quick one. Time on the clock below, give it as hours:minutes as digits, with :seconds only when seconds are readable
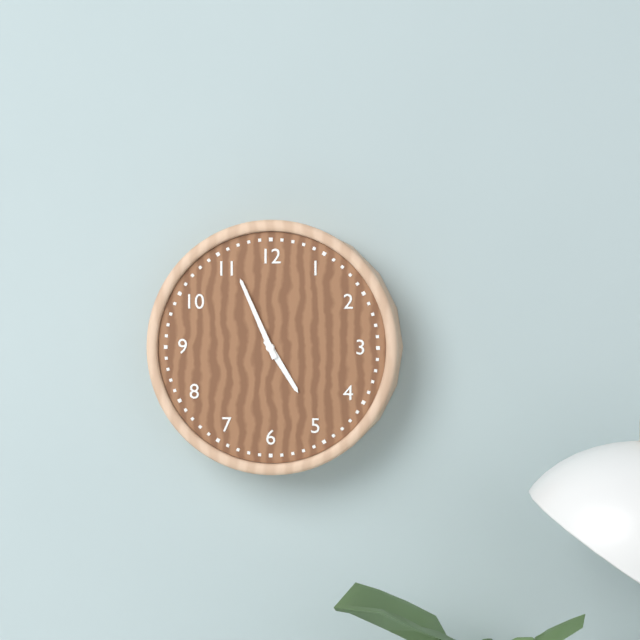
4:56
